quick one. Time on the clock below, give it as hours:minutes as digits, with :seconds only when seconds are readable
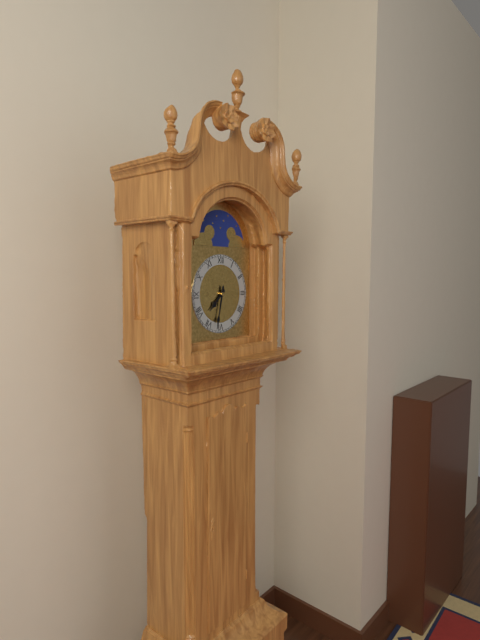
7:32
